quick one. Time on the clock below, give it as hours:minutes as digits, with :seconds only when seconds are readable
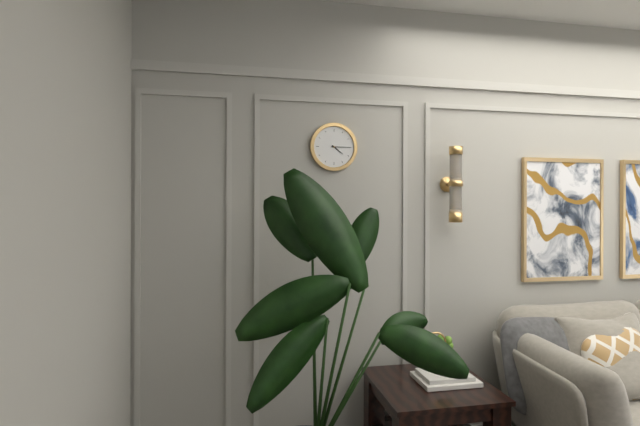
4:15
